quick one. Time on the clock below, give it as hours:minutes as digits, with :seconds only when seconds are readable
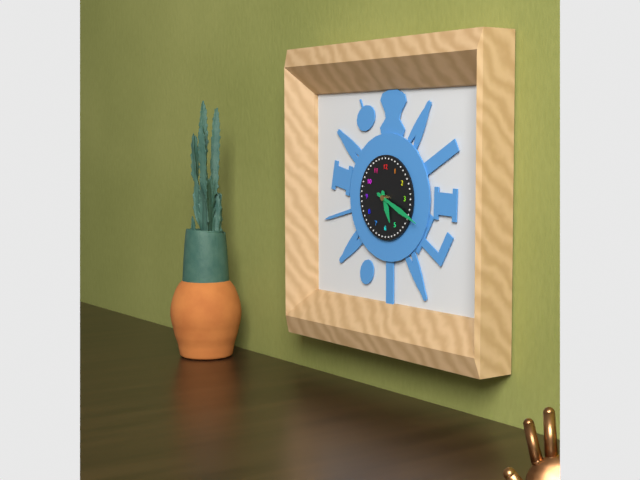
5:19
